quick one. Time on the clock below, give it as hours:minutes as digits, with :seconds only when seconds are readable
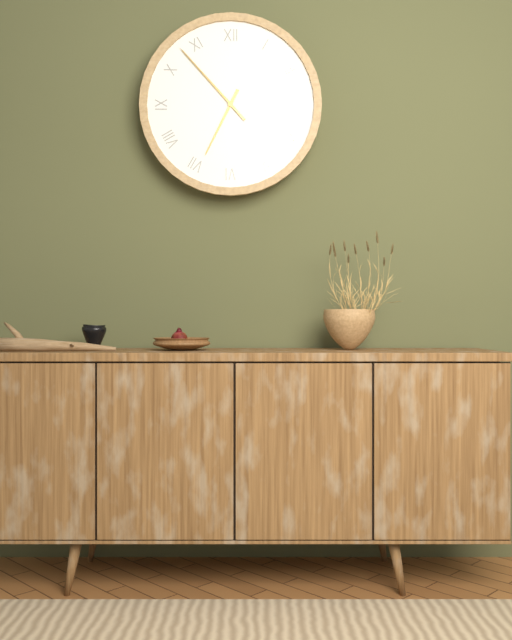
6:53
